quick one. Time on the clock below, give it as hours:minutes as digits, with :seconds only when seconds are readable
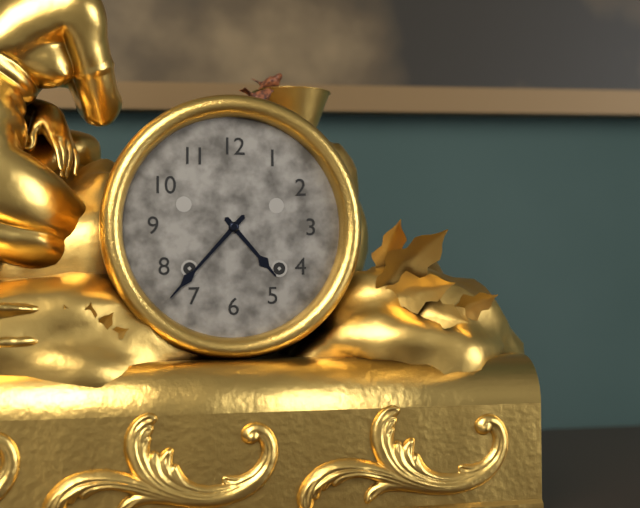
4:37
